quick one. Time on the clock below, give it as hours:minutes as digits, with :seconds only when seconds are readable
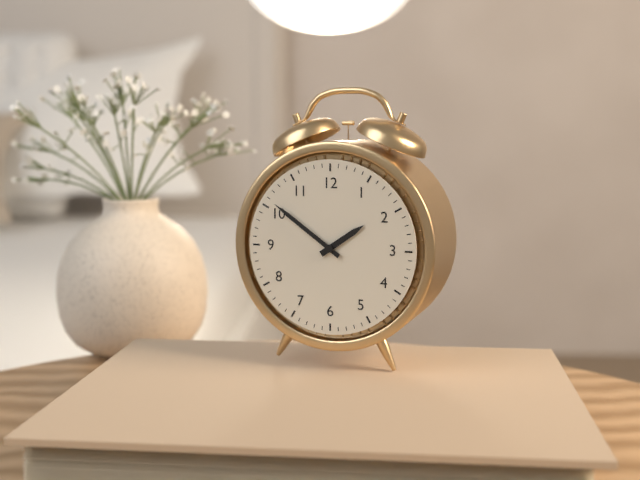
1:51
